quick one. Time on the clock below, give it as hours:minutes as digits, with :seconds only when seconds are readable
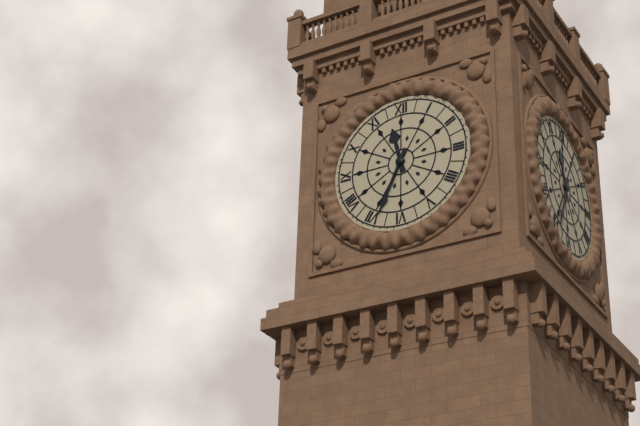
11:34
